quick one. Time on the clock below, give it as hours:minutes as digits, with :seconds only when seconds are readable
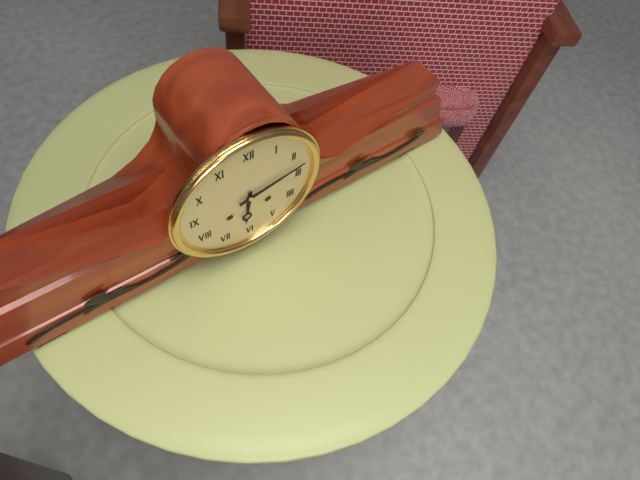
6:13
